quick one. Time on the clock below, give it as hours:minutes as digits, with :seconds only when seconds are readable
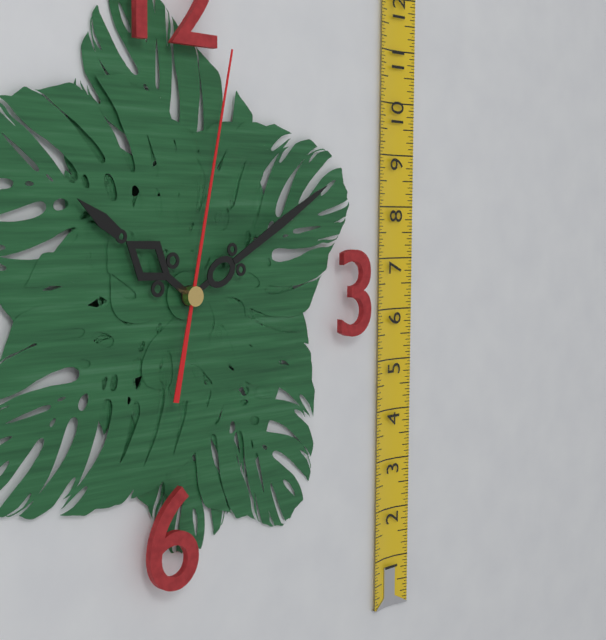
10:10:02
